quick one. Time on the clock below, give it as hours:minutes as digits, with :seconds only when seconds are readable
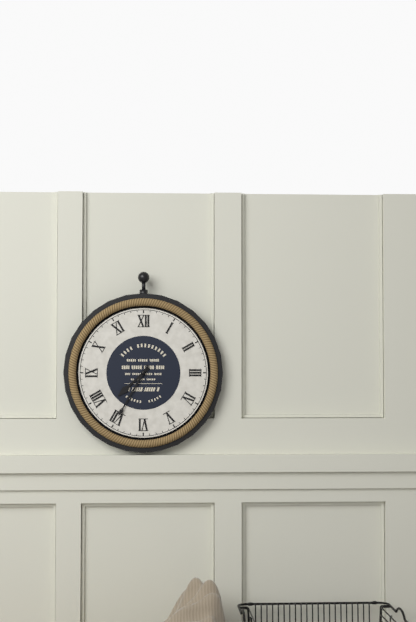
7:35
